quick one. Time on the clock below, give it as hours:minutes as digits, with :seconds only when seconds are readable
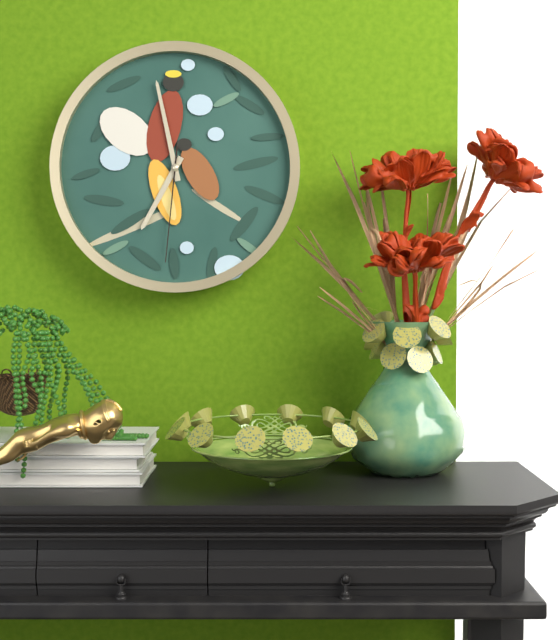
6:58:31
